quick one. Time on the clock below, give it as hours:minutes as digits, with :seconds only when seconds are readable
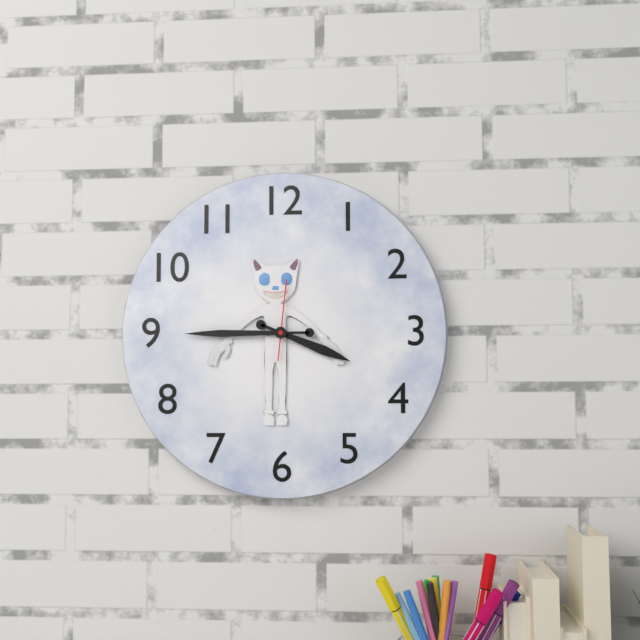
3:45:01
